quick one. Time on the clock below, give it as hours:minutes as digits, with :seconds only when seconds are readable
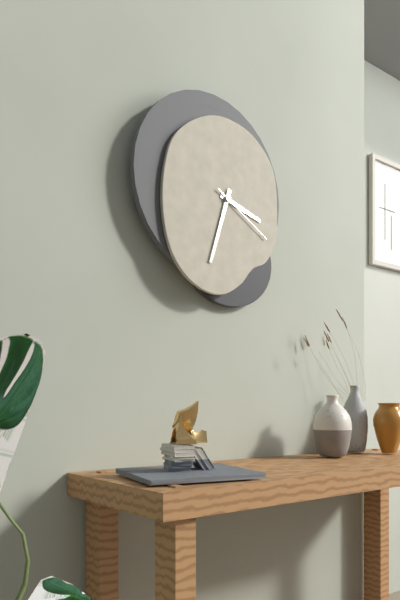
3:33:20
